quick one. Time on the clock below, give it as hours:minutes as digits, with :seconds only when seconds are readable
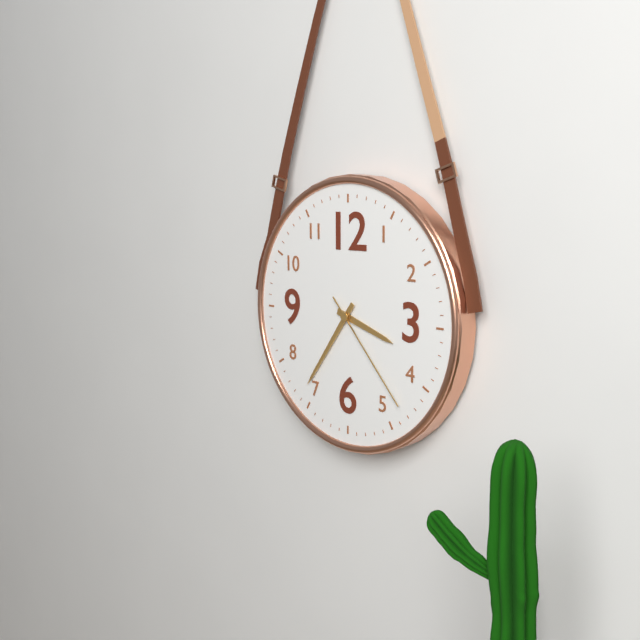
3:36:23
